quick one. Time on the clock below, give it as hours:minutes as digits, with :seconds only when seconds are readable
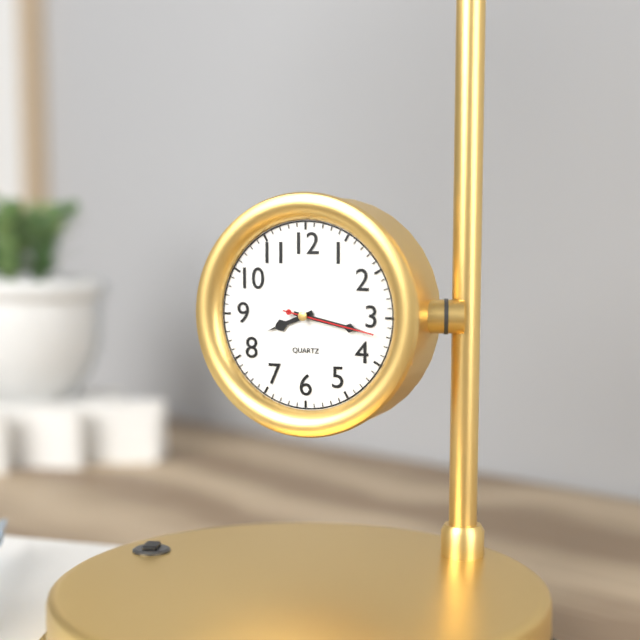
8:17:17
